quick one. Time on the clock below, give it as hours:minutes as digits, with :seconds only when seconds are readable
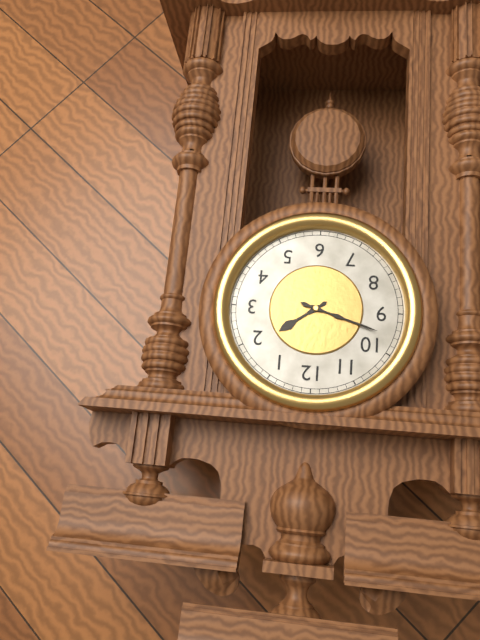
1:48
